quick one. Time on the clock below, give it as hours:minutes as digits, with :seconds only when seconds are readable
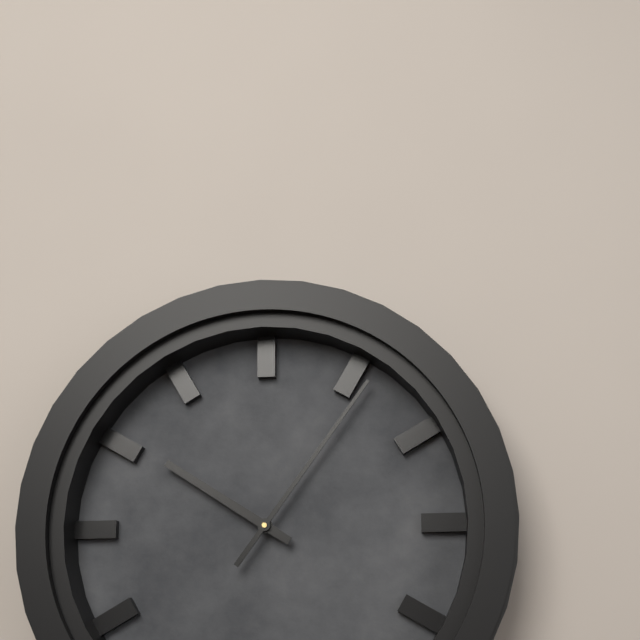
10:06
